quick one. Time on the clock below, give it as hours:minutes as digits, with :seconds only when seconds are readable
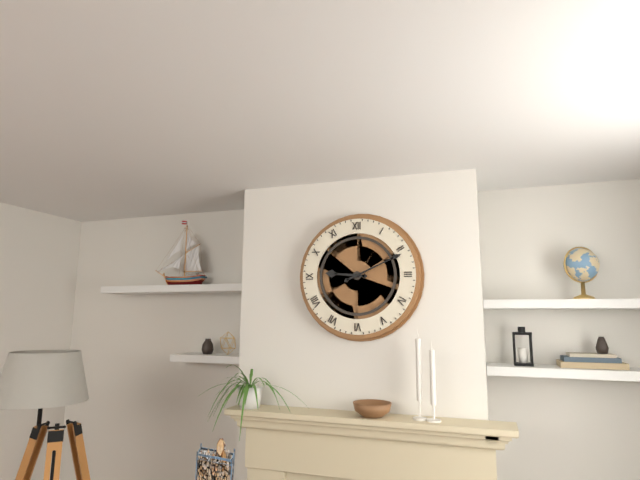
9:11
